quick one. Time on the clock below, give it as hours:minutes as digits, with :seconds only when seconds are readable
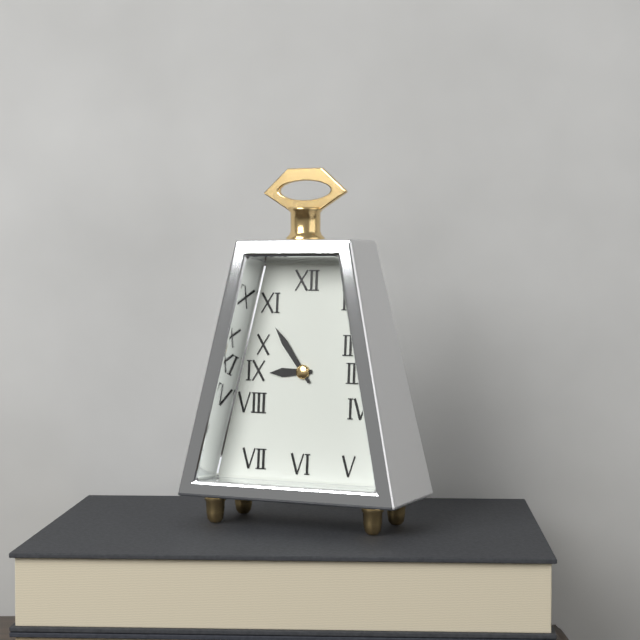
8:54
